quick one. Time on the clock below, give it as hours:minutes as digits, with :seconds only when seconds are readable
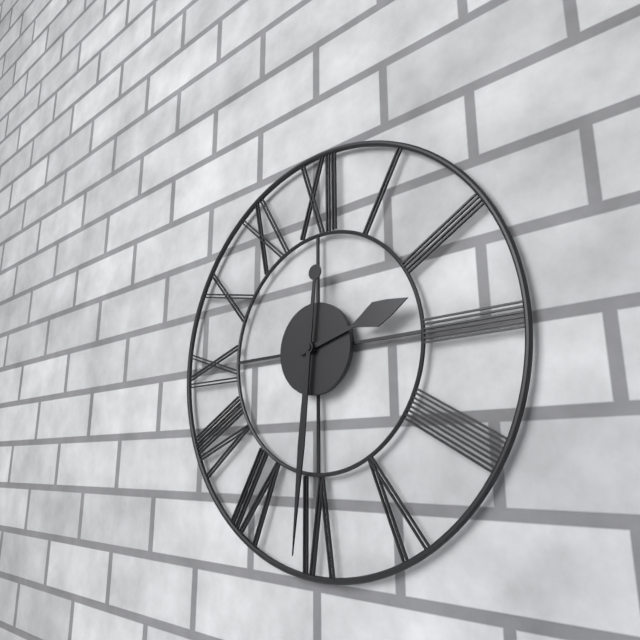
2:31
